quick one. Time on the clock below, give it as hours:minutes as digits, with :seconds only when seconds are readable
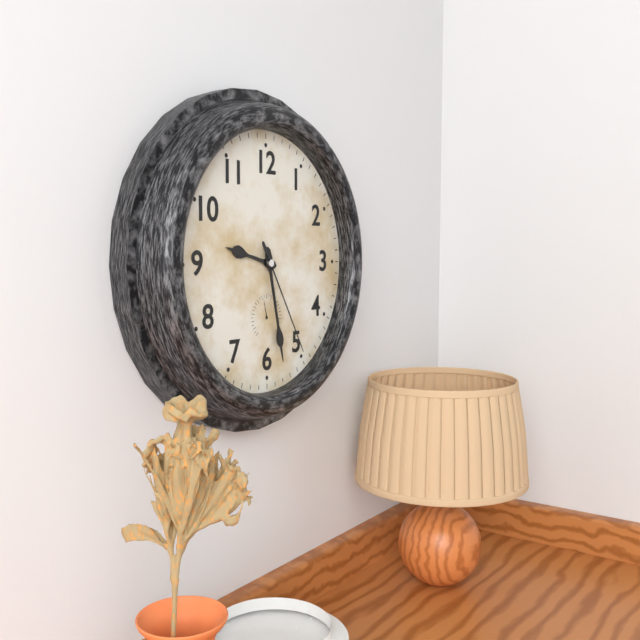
9:28:25
